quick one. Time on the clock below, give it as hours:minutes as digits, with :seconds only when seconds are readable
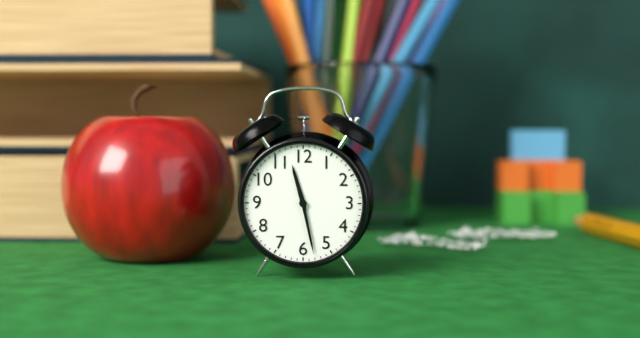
11:28
